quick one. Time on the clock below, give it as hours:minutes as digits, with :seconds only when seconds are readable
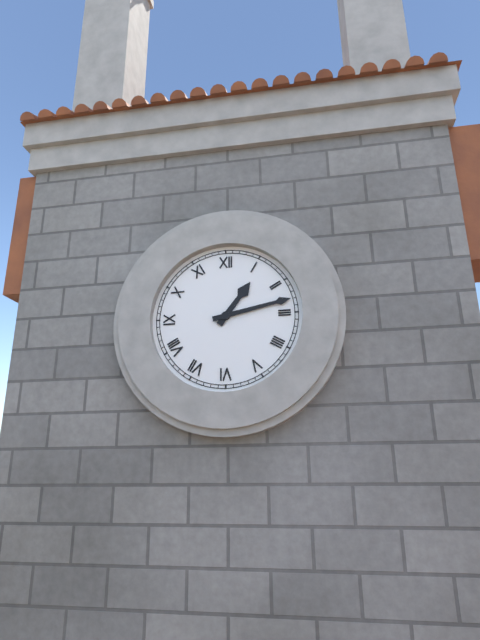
1:13
